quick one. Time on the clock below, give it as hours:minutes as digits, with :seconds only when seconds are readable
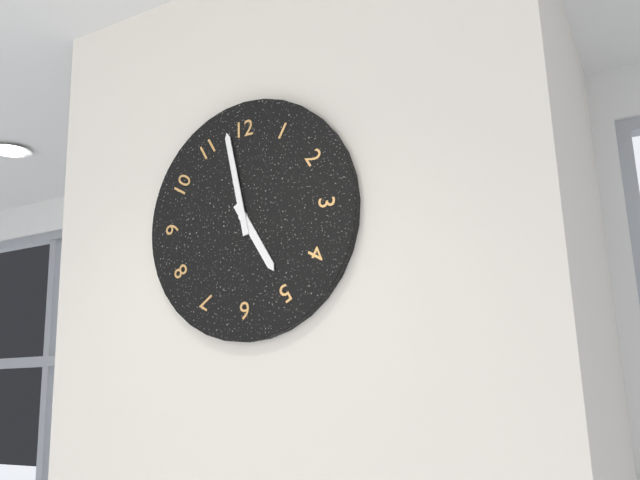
4:58
